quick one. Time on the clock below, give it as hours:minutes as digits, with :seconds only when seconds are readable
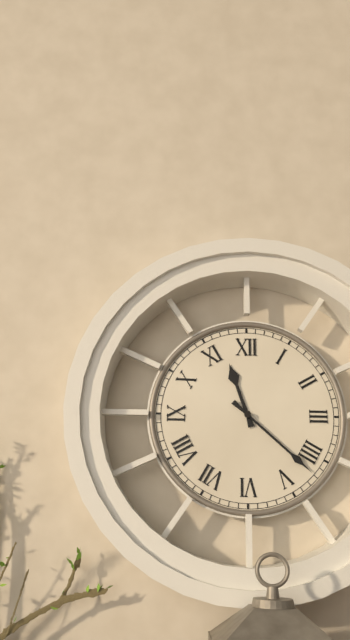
11:22
